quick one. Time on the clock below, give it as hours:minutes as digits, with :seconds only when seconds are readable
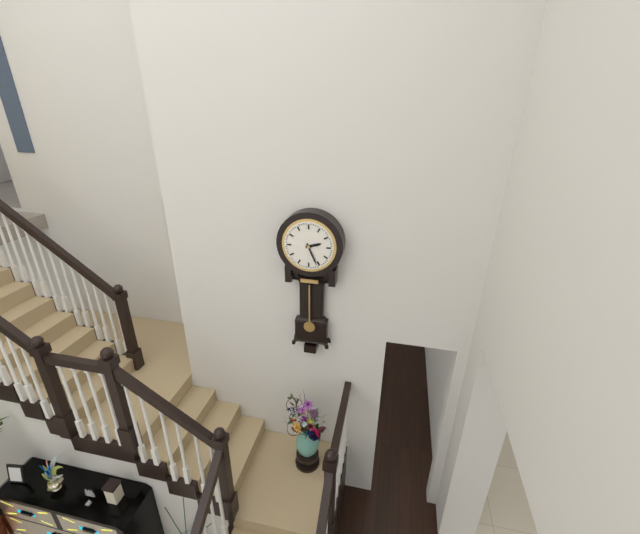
2:26
